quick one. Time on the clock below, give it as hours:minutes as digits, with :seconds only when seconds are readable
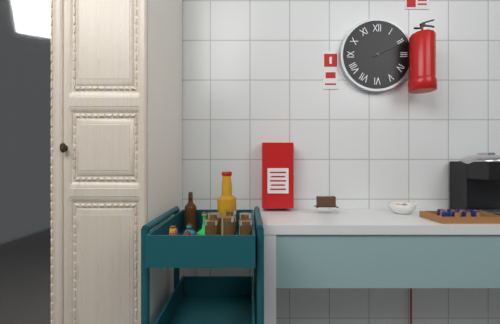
2:11
